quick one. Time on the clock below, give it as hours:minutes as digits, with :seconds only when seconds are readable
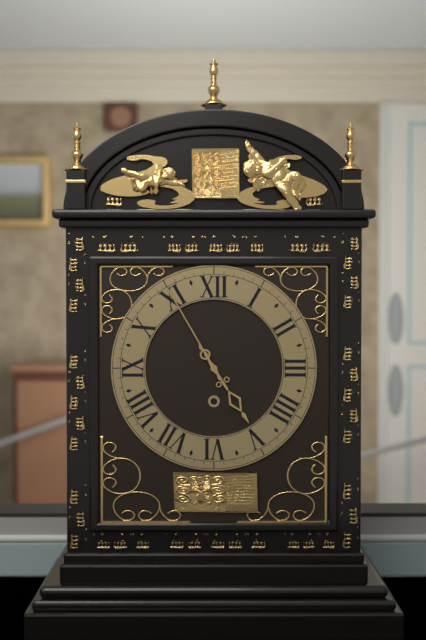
4:55
